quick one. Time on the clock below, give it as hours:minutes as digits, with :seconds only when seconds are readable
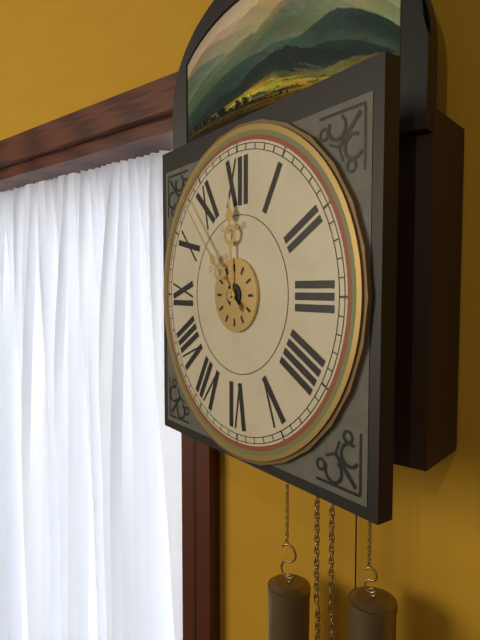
11:53
